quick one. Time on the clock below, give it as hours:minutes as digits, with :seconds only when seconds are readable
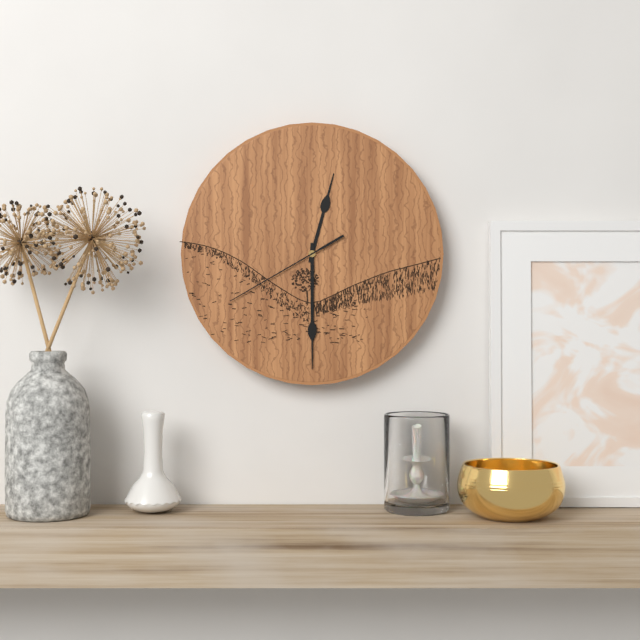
12:30:40
